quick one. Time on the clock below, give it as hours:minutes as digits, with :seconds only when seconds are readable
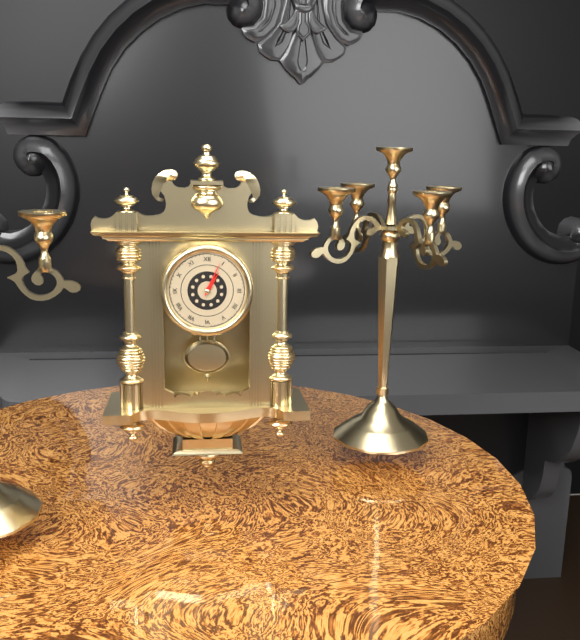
1:04
